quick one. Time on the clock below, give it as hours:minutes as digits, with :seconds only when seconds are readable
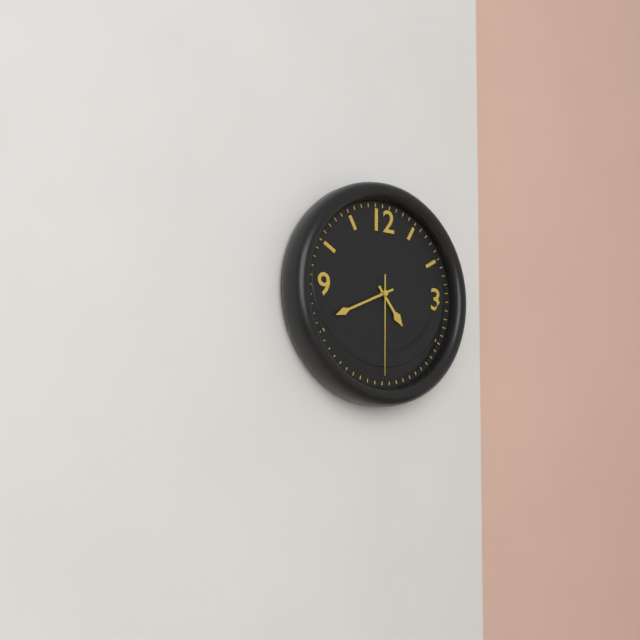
4:41:30
